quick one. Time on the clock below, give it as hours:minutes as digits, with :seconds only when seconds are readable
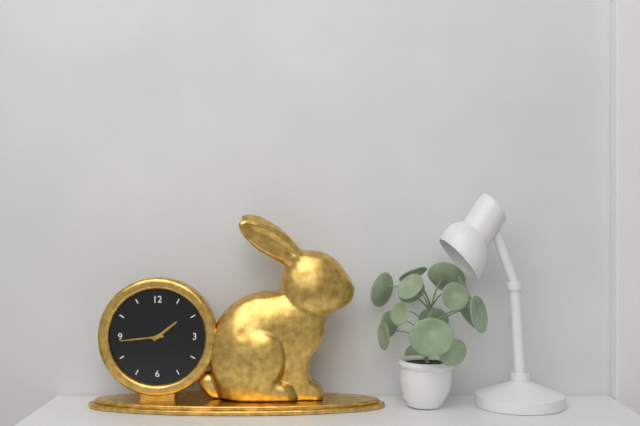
1:44
